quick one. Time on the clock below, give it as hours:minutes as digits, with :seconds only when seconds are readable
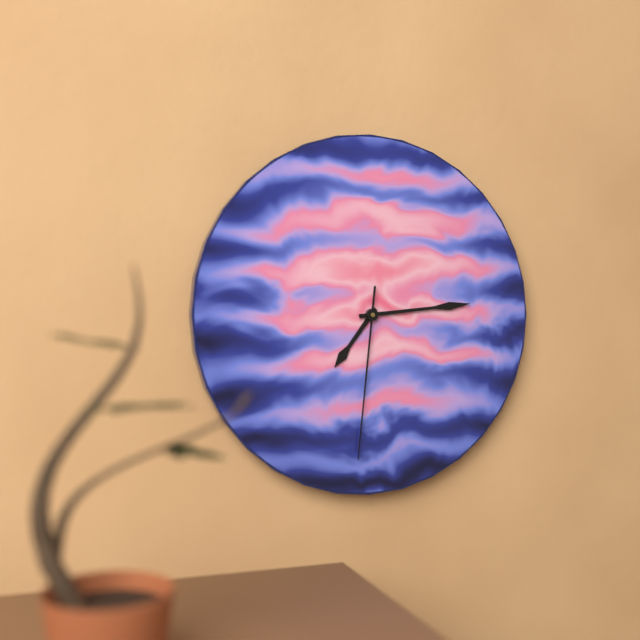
7:14:31
